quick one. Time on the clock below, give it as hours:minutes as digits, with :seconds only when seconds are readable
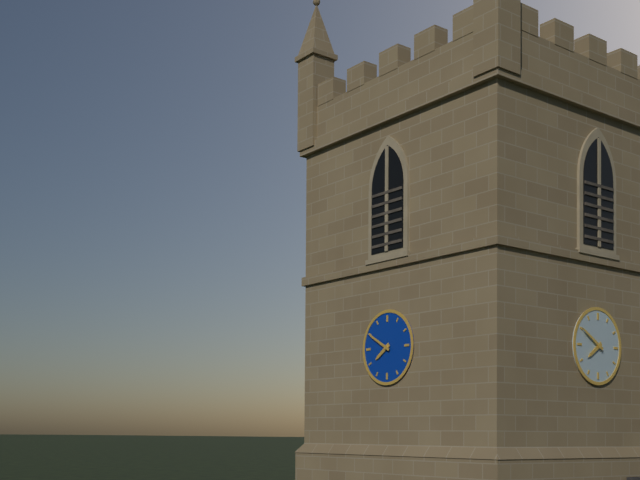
7:50
